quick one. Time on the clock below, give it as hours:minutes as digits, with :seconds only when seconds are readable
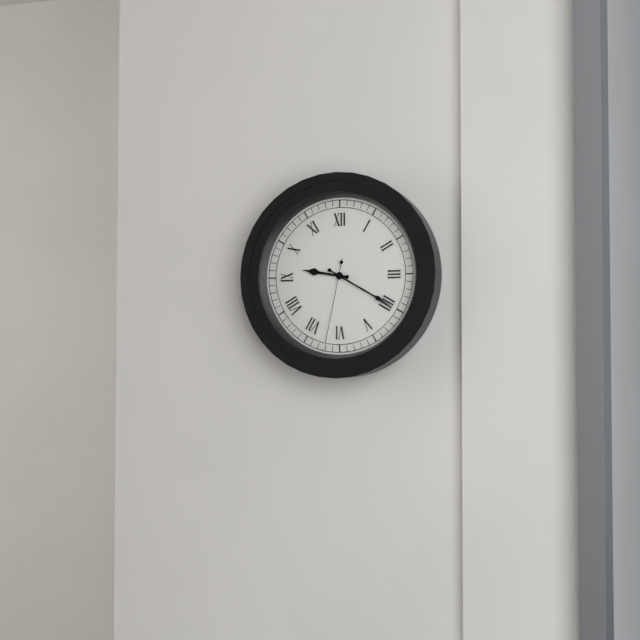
9:20:32
